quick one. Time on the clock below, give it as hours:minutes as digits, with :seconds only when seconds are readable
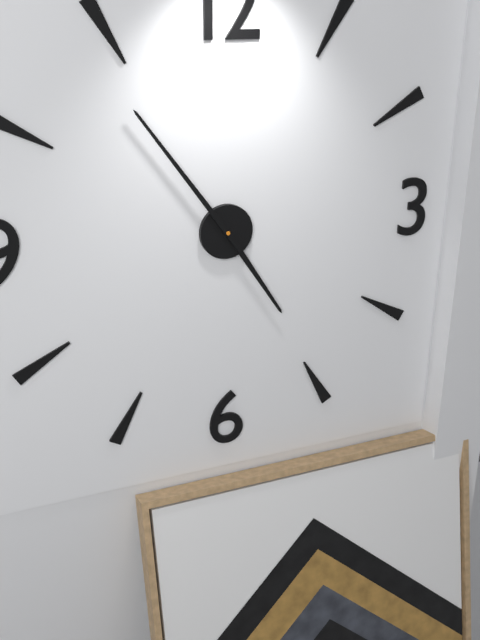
4:54
